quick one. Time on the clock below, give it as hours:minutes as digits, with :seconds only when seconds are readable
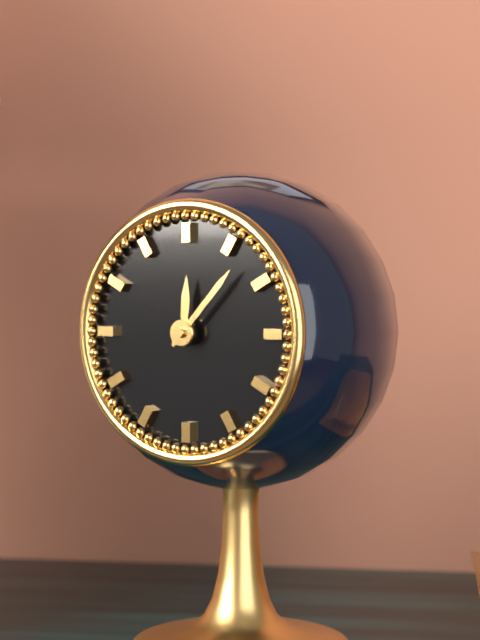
12:07
